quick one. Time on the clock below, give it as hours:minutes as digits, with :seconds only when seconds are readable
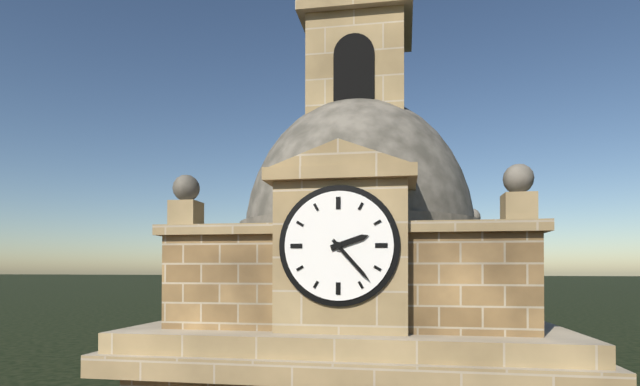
2:23
